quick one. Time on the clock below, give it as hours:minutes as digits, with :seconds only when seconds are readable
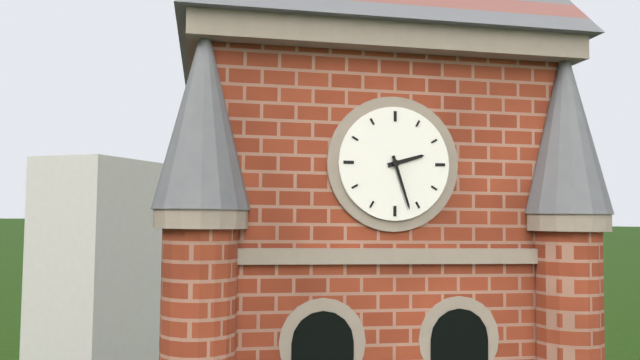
2:27
